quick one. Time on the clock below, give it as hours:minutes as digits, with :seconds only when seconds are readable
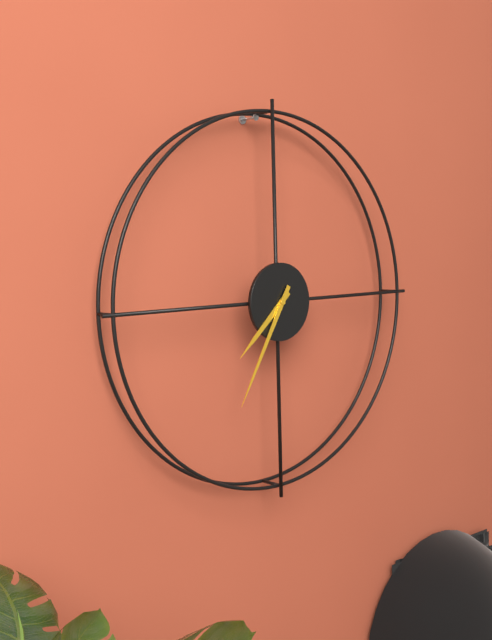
7:35
